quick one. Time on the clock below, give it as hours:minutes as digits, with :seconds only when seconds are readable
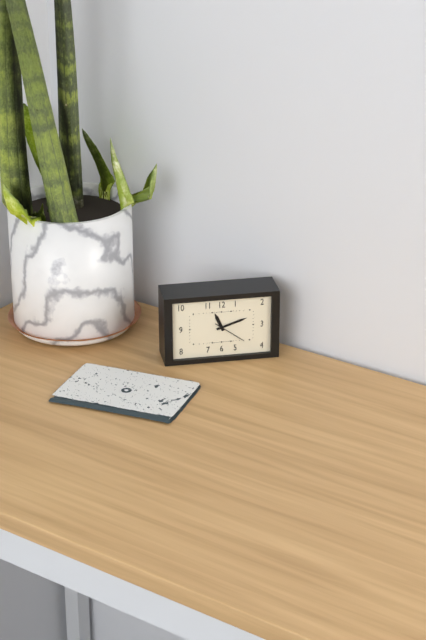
11:12
